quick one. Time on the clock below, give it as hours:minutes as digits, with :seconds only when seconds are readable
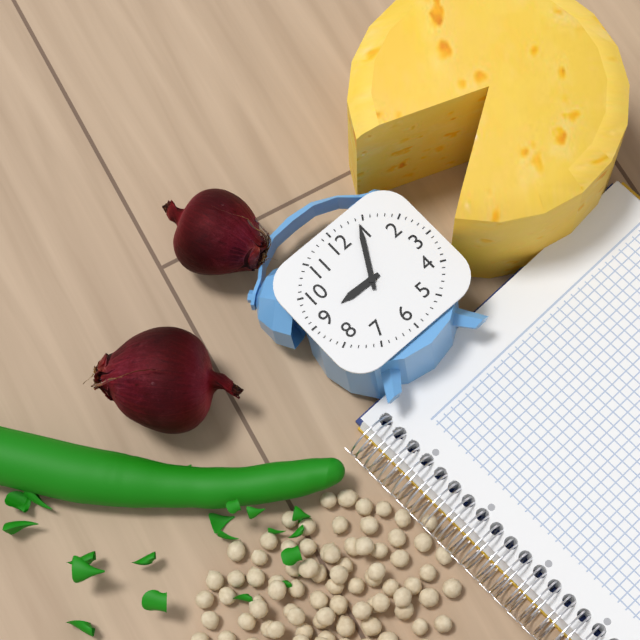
9:05
